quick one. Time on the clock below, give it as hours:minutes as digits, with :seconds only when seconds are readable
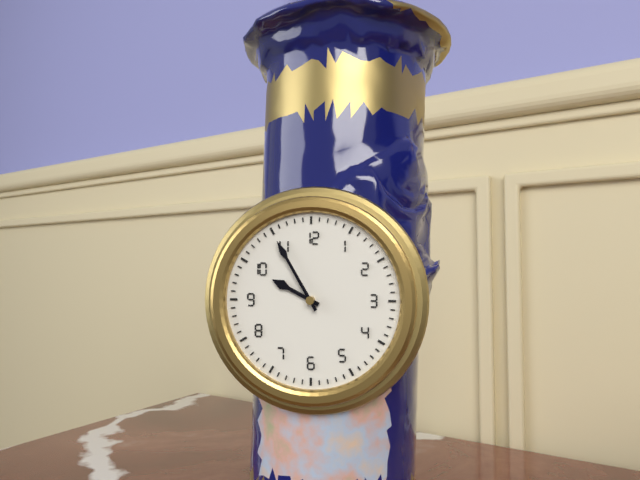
9:55
